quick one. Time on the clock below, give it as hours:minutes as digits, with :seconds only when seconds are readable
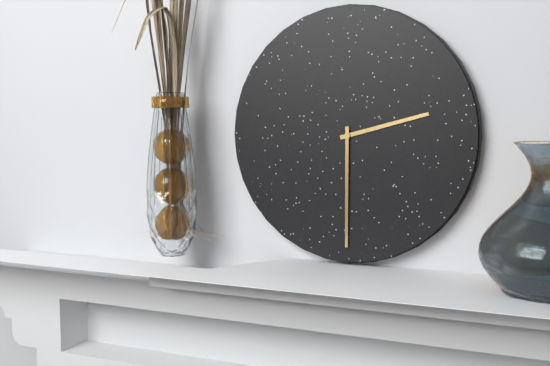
2:30
